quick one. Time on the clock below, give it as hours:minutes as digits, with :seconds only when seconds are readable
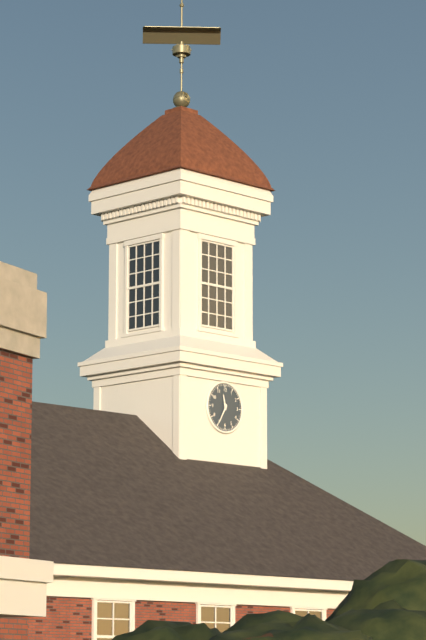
11:35
